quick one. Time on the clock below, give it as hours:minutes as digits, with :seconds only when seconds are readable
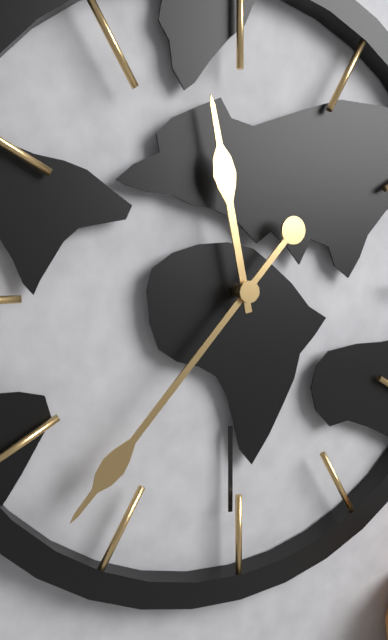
11:37
